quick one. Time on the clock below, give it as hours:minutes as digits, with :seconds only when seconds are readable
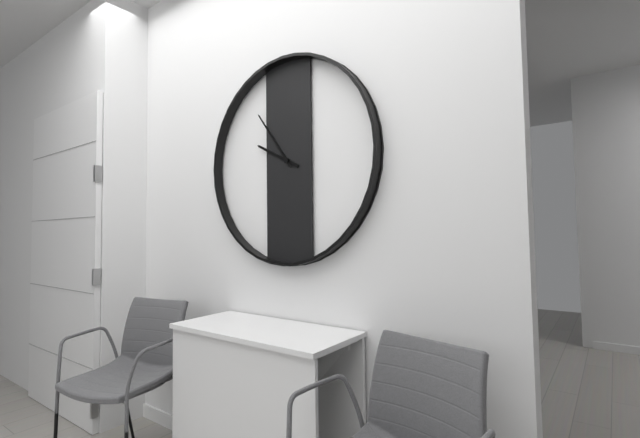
9:54
